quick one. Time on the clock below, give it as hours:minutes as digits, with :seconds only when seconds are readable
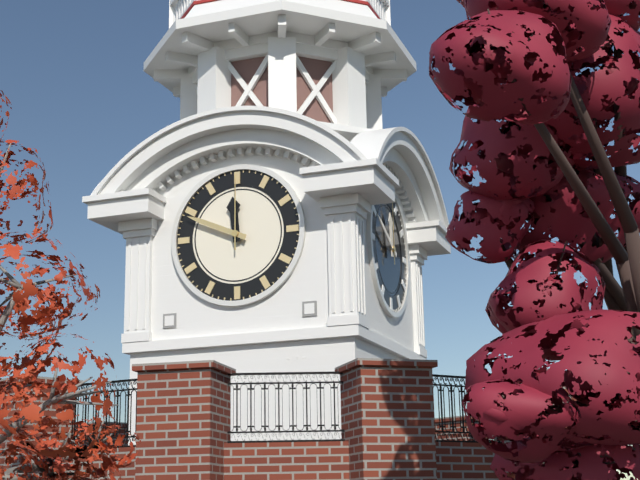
11:49:00
